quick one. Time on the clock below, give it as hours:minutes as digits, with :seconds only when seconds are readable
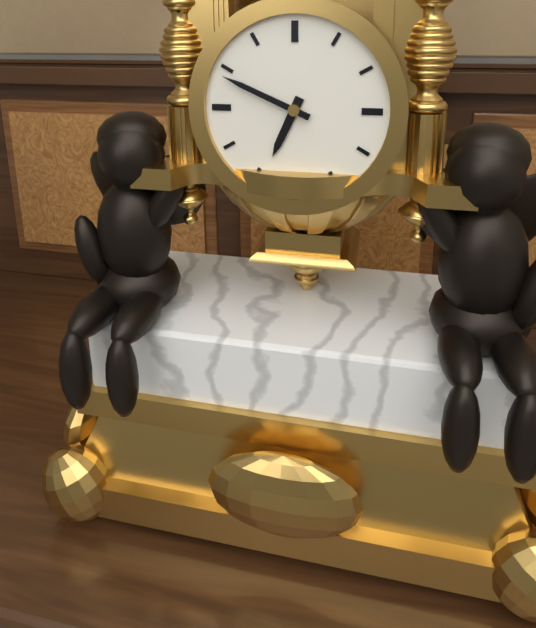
6:49
